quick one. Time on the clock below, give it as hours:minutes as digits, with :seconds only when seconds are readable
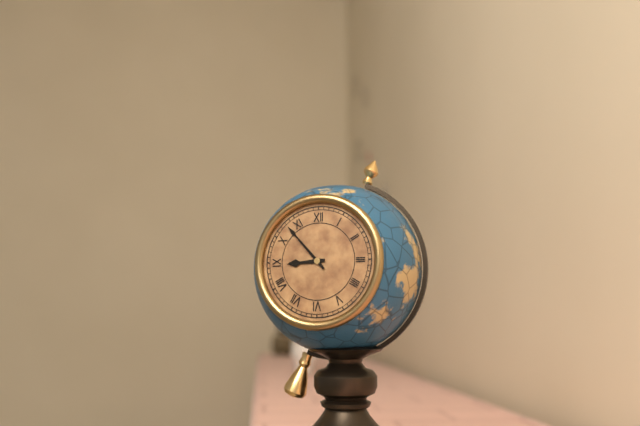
8:53
